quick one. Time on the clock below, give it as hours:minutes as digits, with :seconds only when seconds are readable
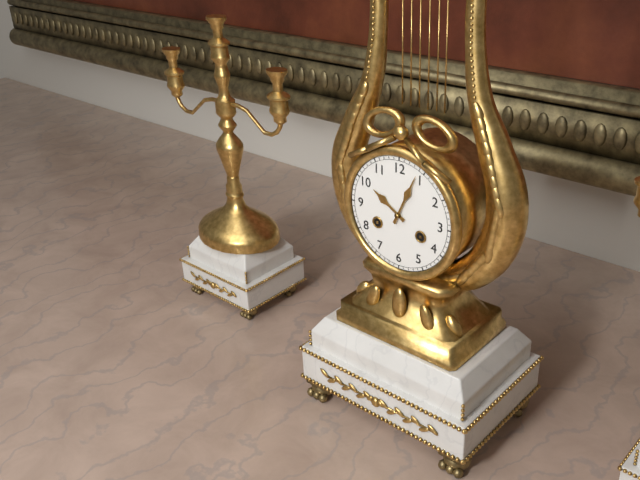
10:04
